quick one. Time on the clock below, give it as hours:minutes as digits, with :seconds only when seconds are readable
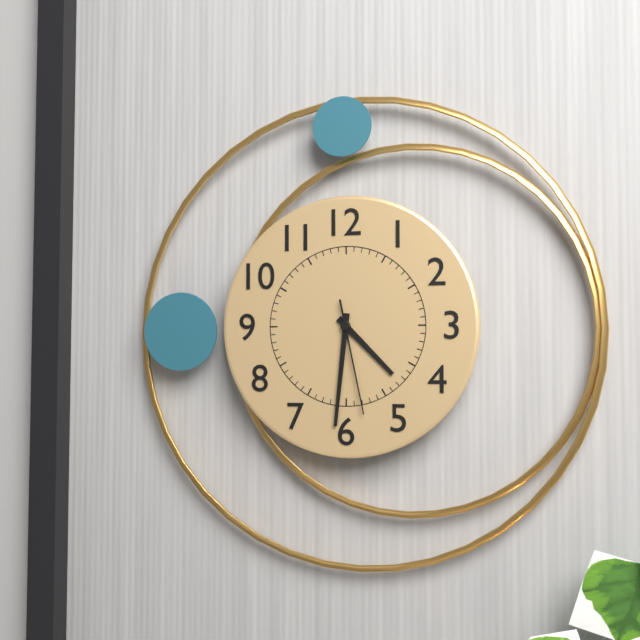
4:31:28
